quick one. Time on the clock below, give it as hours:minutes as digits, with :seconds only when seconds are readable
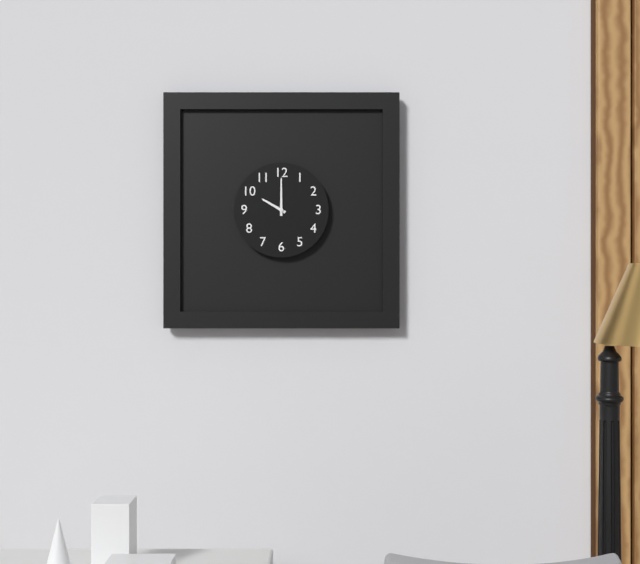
10:00
